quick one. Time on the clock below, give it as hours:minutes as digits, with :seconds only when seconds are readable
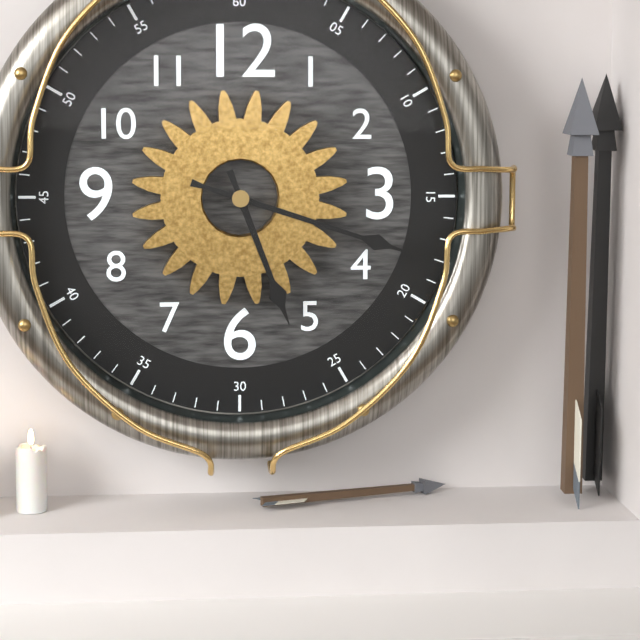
5:18
